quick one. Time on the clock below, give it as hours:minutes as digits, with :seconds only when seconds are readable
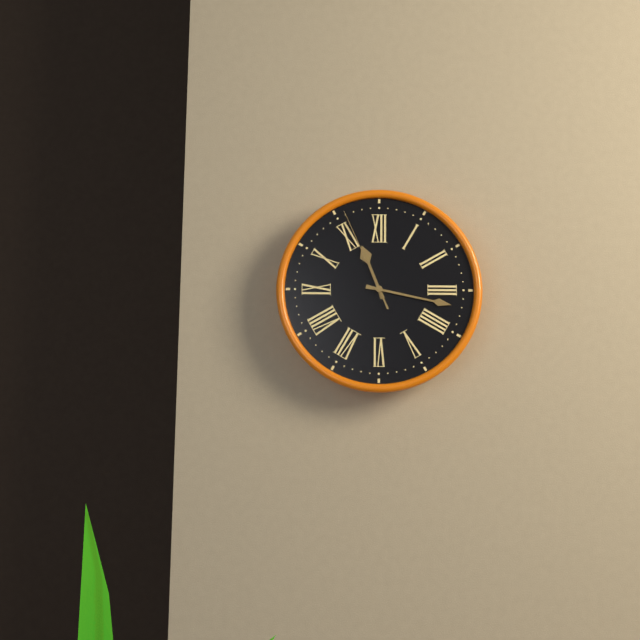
11:17:56
